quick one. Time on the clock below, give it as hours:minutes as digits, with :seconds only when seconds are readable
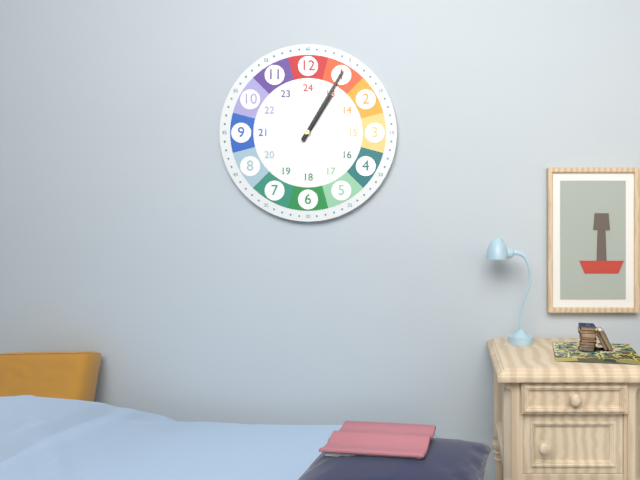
1:05
